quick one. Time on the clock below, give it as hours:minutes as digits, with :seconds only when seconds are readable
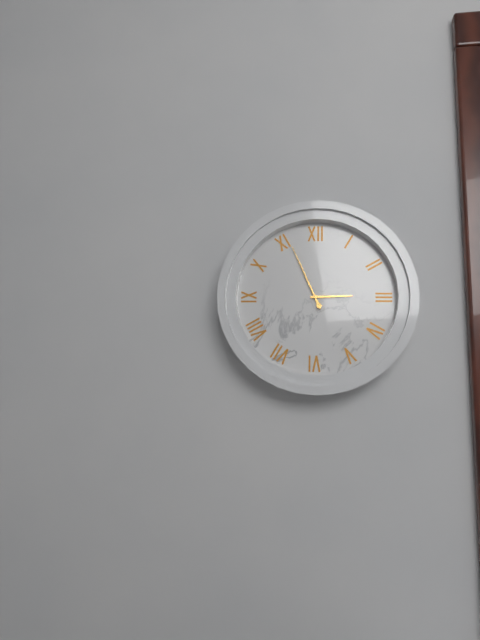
2:56
